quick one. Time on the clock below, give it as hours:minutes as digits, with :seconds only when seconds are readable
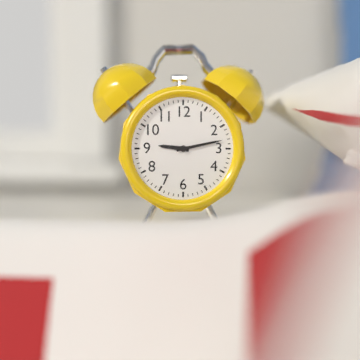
9:13
